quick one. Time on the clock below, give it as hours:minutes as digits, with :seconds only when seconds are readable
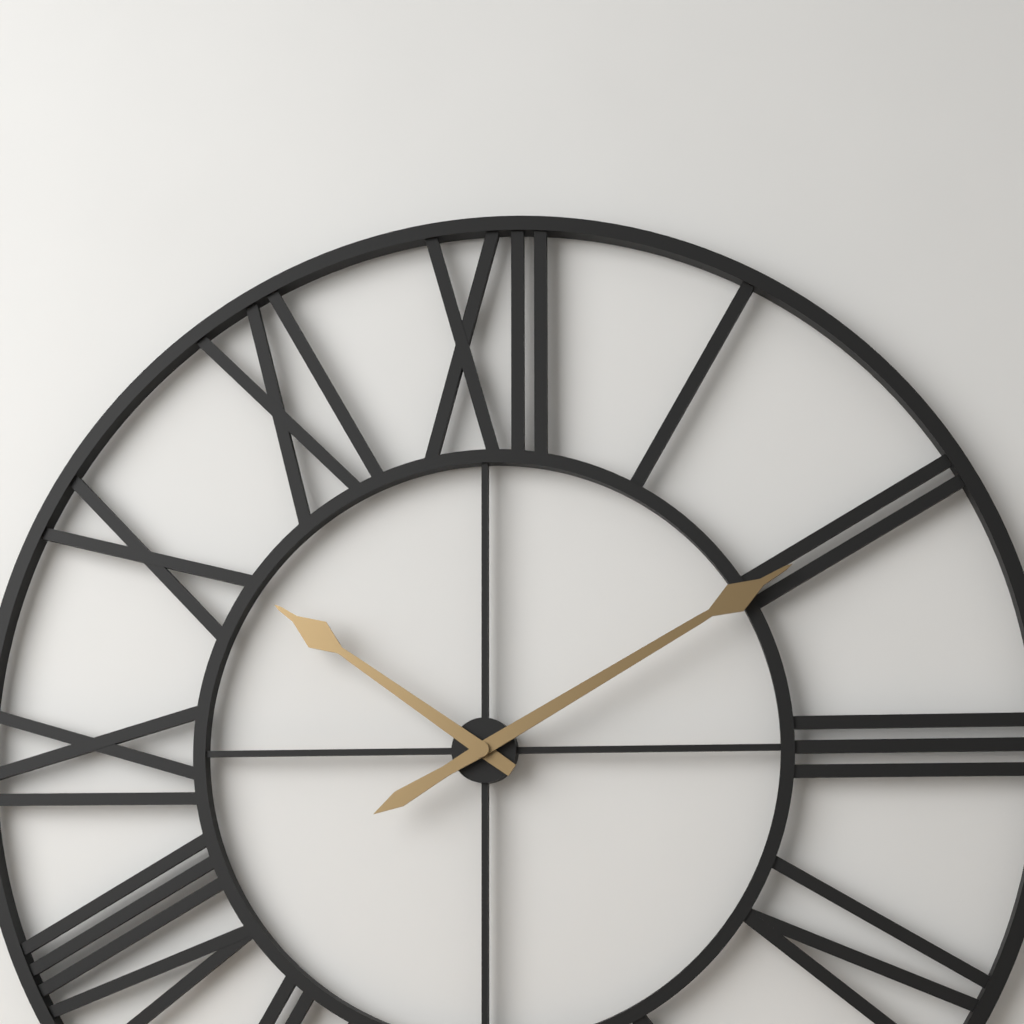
10:10
